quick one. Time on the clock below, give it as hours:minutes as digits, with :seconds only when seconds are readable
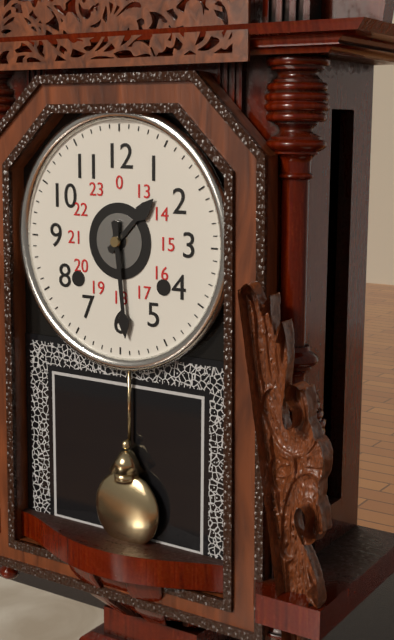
1:29
